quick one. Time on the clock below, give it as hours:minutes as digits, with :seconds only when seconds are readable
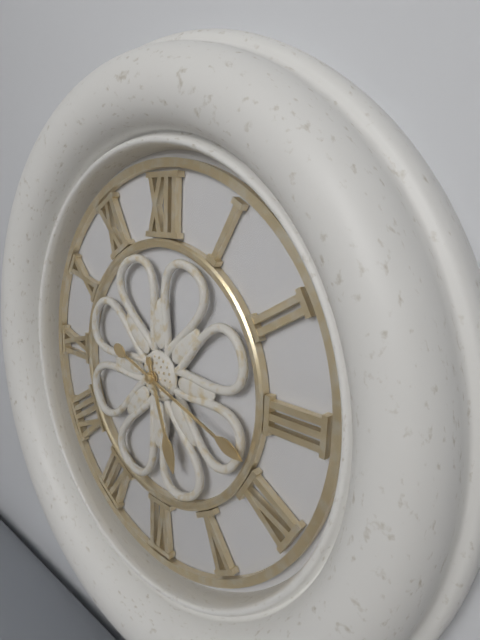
5:18
